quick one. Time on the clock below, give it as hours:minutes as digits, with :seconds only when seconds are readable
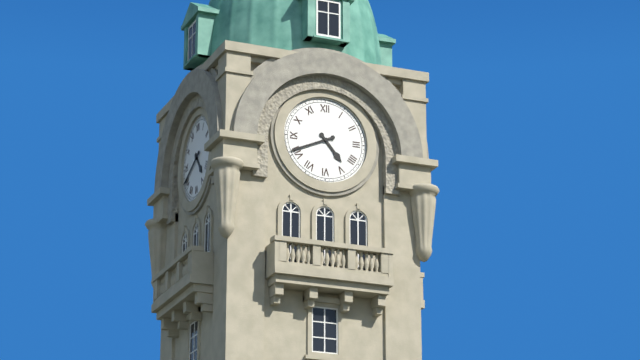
4:41
